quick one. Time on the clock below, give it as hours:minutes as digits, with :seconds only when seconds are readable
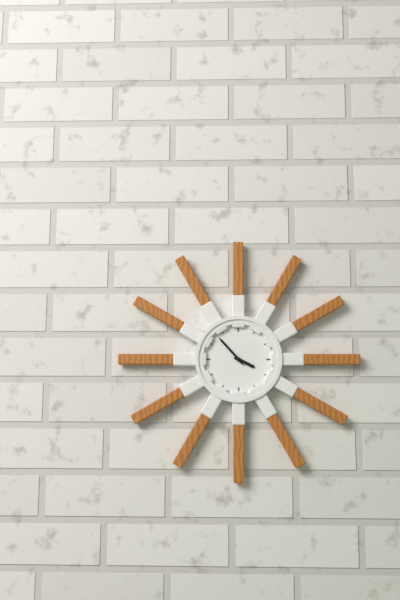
3:53
